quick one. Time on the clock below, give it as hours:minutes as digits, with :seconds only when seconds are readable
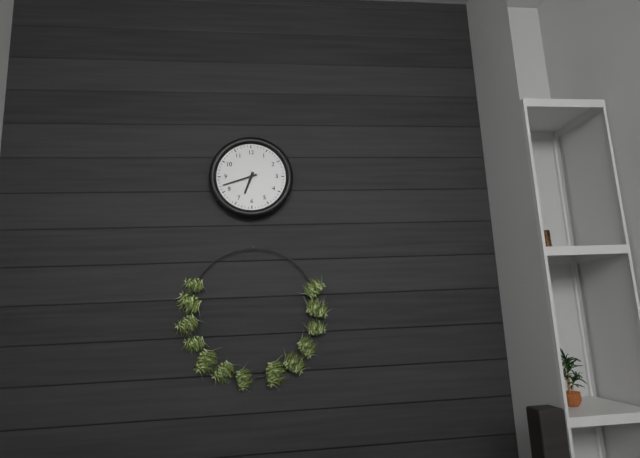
6:42
